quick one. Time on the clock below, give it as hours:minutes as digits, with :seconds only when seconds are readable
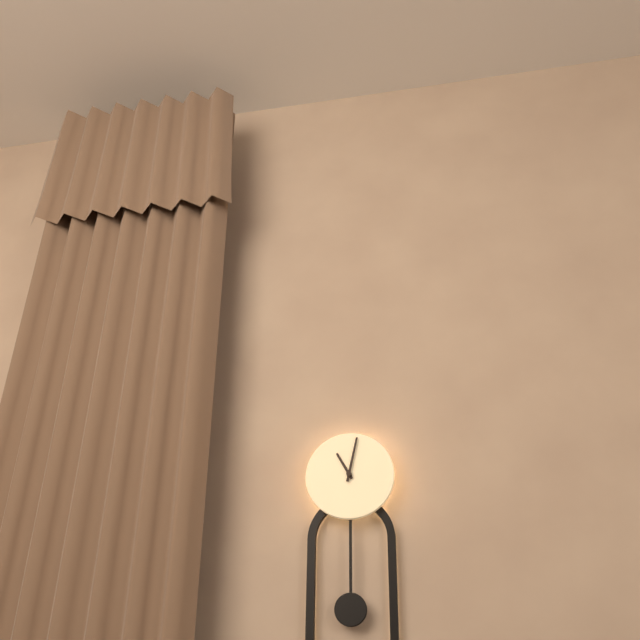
11:02
